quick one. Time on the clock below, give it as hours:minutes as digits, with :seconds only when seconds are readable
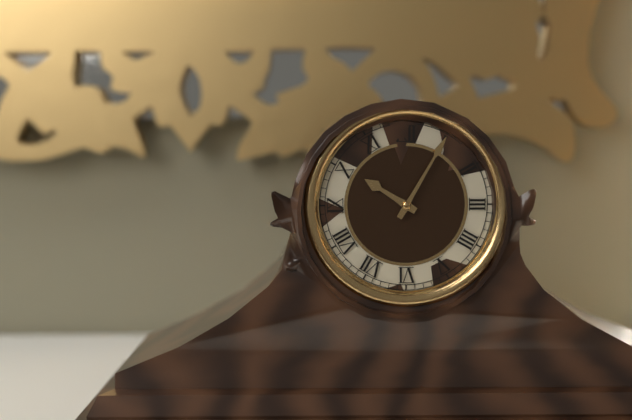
10:05
